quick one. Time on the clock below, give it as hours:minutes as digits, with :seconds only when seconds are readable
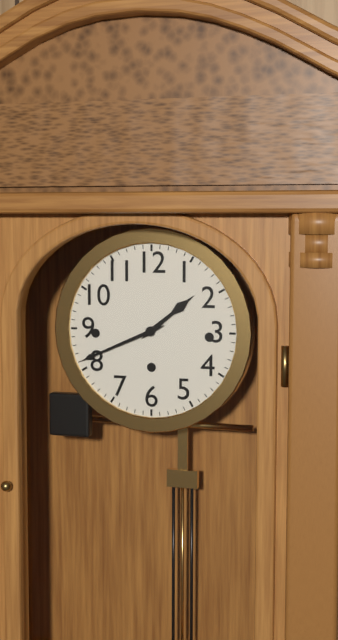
1:41
